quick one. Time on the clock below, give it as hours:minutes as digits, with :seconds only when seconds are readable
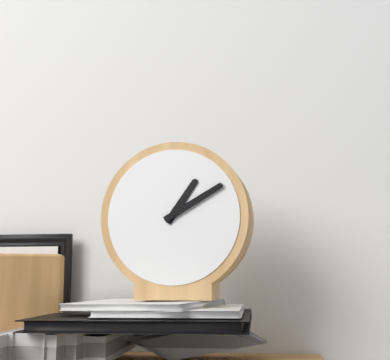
1:10
